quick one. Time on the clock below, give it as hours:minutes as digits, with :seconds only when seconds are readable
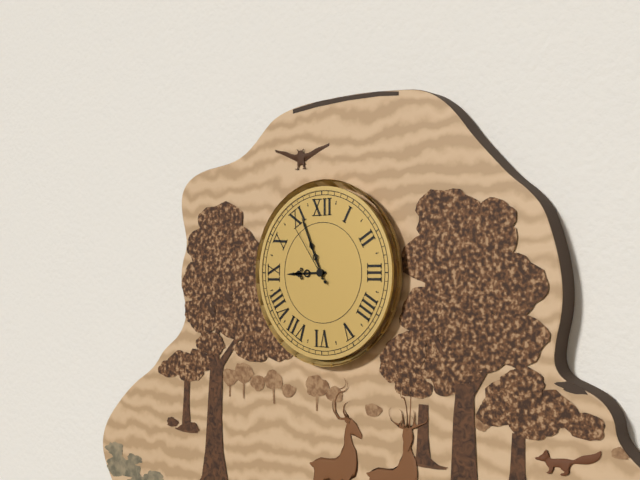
8:56:54
